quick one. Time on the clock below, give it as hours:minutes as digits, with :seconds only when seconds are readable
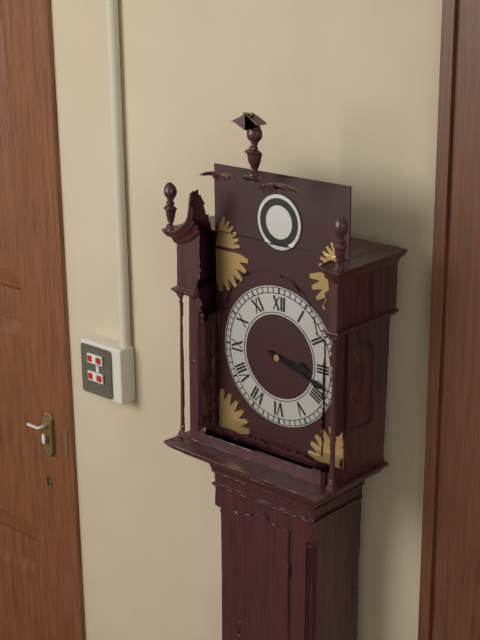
3:18
